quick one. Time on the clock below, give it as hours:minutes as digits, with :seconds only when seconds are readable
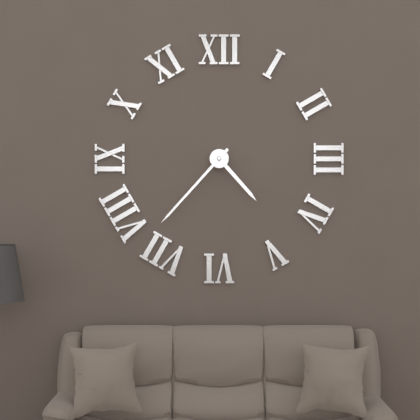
4:37
